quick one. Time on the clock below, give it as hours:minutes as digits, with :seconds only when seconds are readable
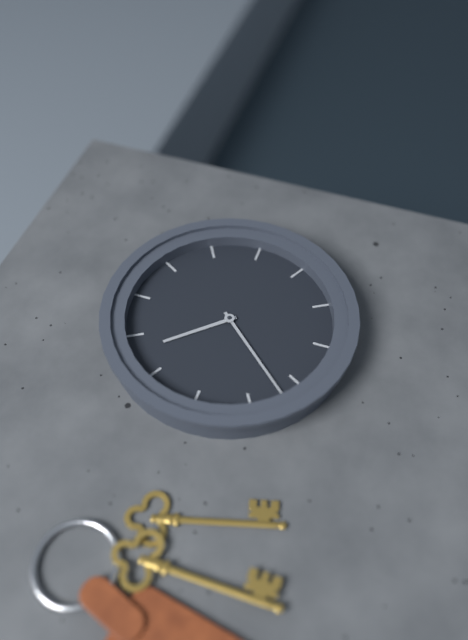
10:37
